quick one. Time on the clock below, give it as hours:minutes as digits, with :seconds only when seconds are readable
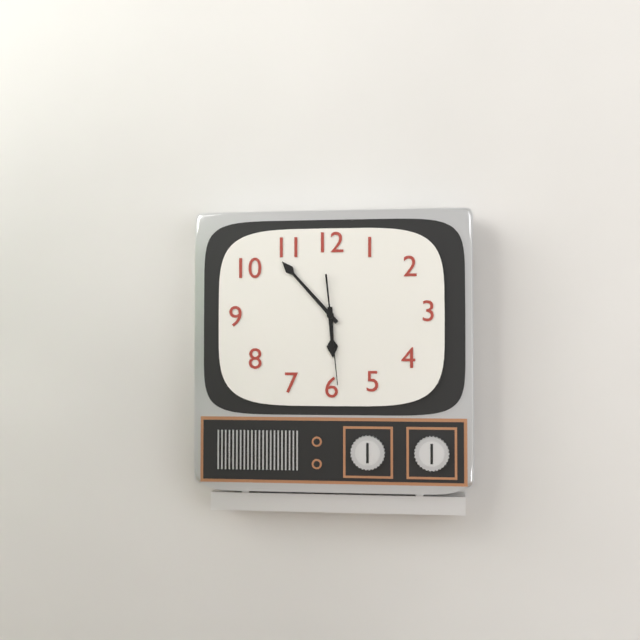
5:53:29
